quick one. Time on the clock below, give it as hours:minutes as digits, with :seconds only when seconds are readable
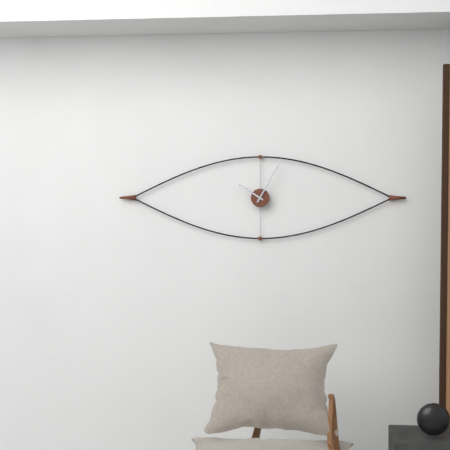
10:05
